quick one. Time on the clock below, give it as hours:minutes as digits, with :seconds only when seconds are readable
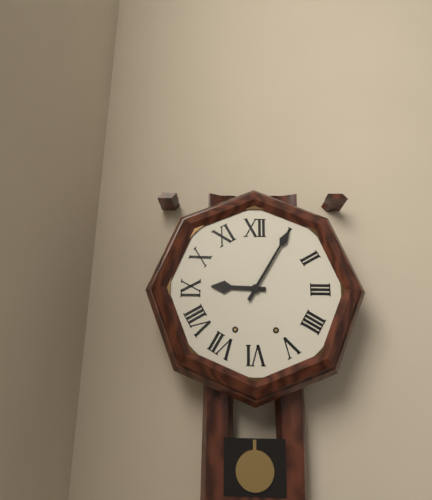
9:05
